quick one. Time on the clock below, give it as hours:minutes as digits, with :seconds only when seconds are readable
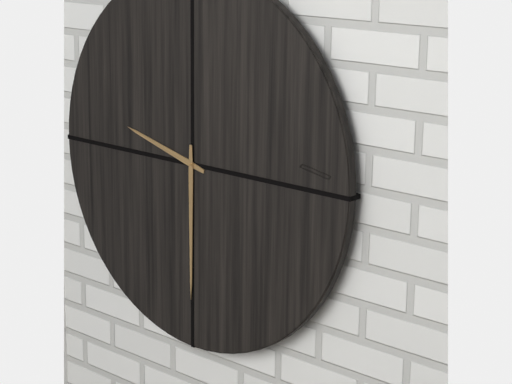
9:30
